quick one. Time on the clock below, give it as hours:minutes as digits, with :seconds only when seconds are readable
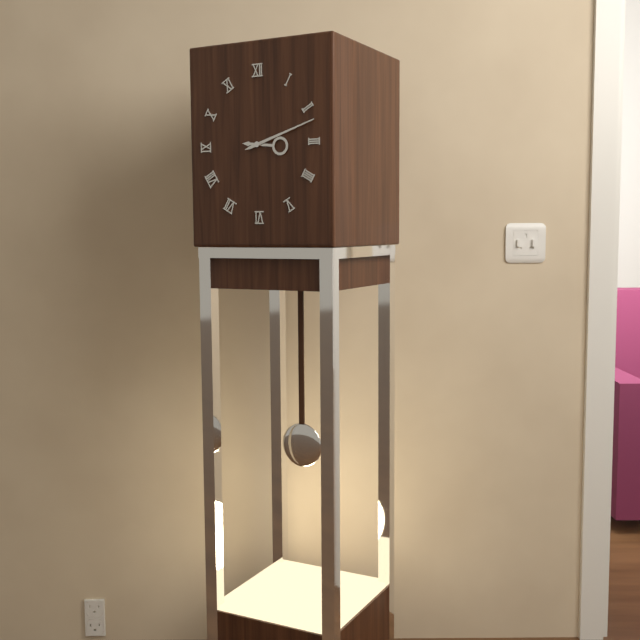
3:12
